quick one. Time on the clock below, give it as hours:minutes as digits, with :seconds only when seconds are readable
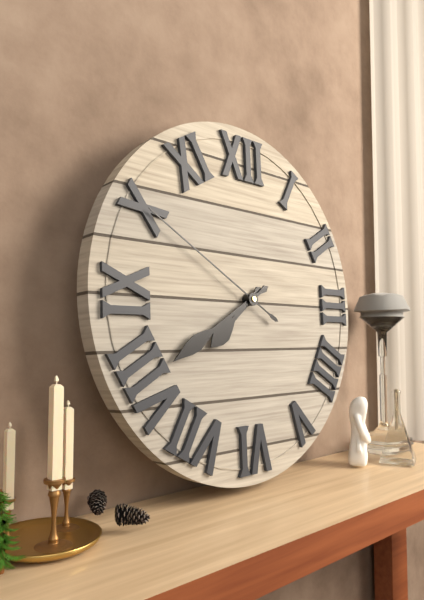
7:40:50
